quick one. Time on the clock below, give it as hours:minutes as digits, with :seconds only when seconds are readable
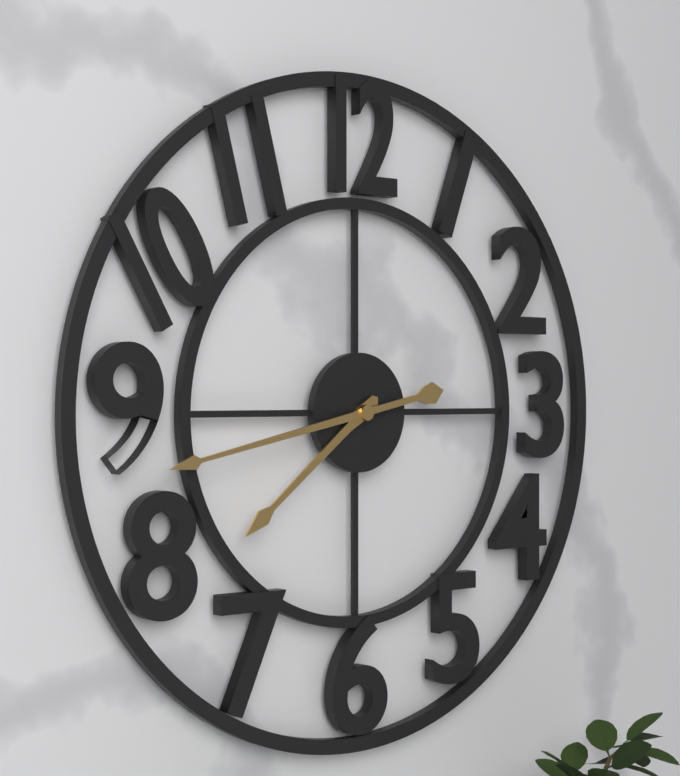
7:43
